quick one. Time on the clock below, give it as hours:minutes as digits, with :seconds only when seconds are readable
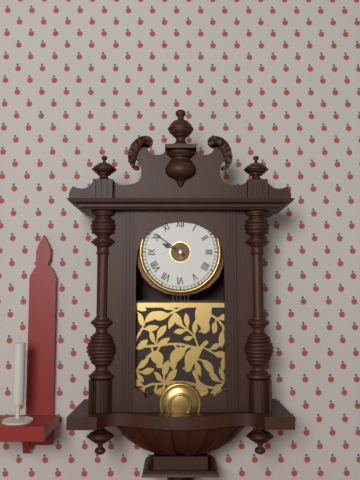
9:51
